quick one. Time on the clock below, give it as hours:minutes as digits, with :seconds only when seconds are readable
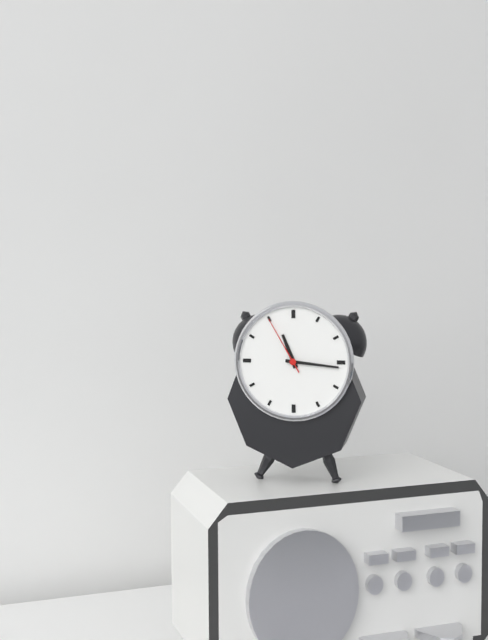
11:16:55
